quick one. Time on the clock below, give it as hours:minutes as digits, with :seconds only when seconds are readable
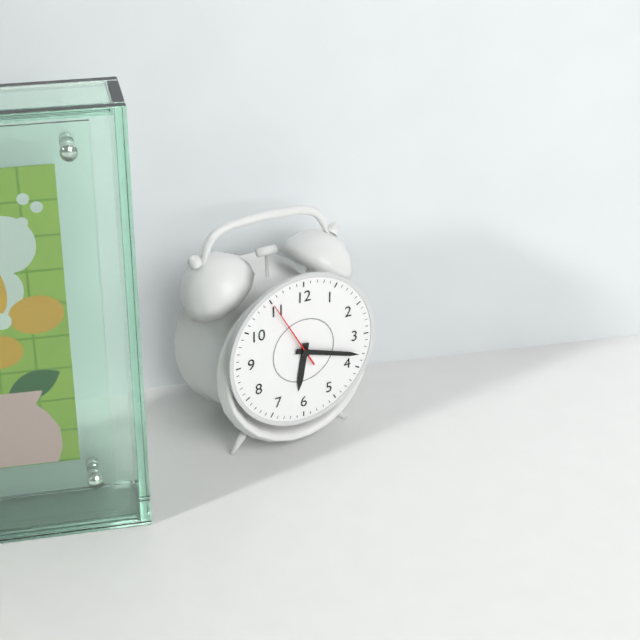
6:18:55
